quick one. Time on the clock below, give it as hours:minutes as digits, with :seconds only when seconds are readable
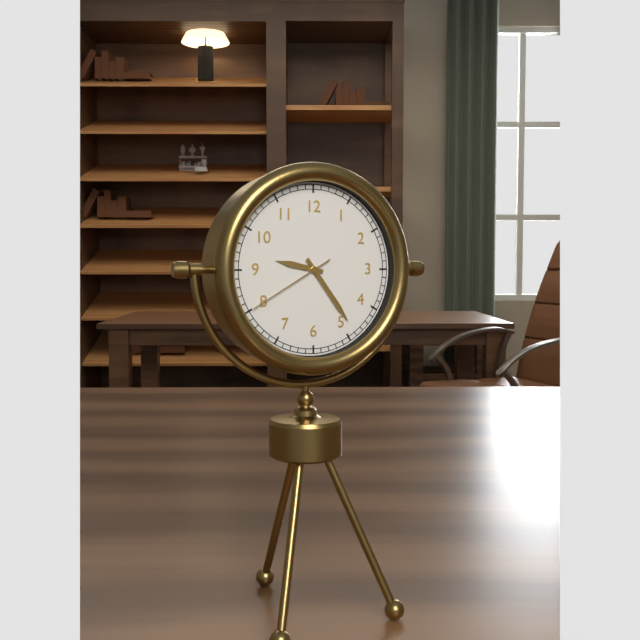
9:24:40
